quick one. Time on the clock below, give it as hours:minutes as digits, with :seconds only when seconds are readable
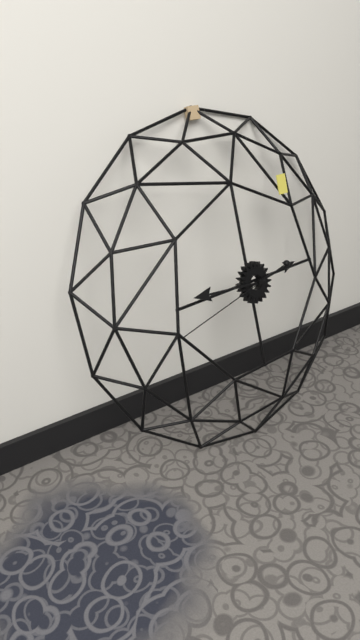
2:46:43
